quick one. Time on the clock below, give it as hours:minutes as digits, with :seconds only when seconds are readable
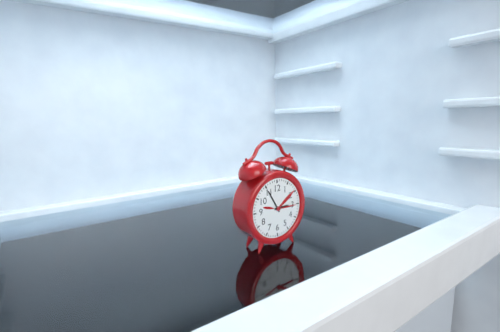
2:55
